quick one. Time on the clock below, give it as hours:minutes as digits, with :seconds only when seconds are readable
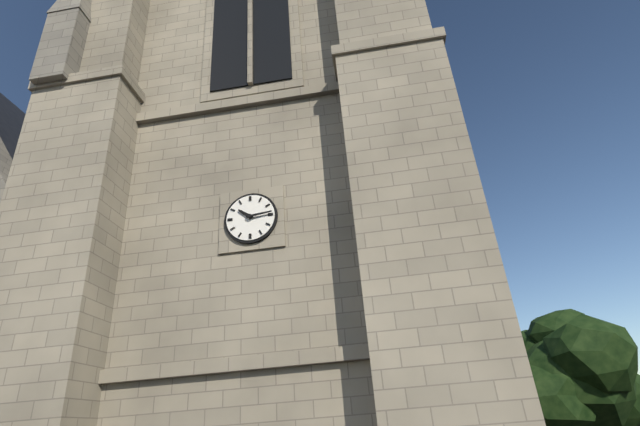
10:14
